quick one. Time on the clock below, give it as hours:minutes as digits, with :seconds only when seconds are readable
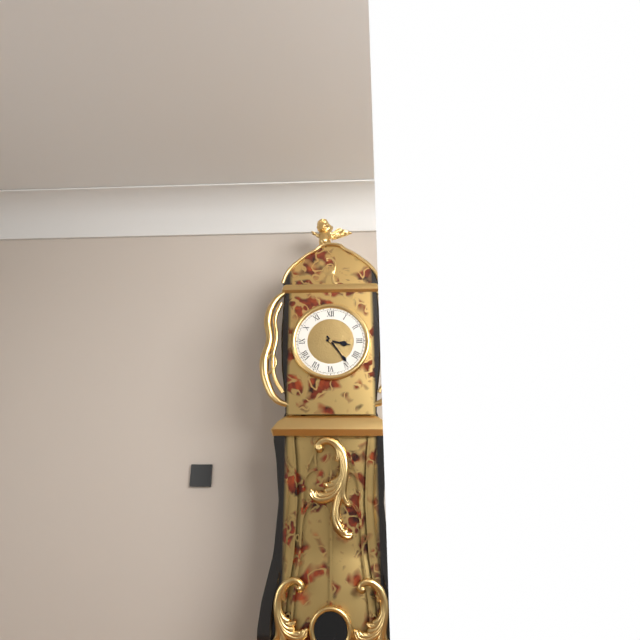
3:24
